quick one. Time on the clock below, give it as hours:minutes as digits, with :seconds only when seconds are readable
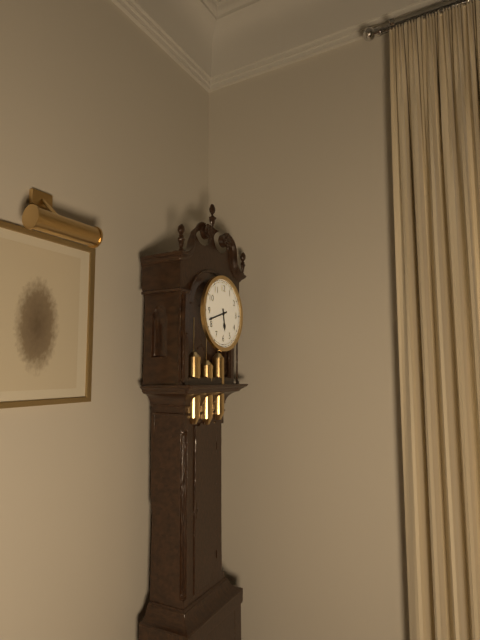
5:42
